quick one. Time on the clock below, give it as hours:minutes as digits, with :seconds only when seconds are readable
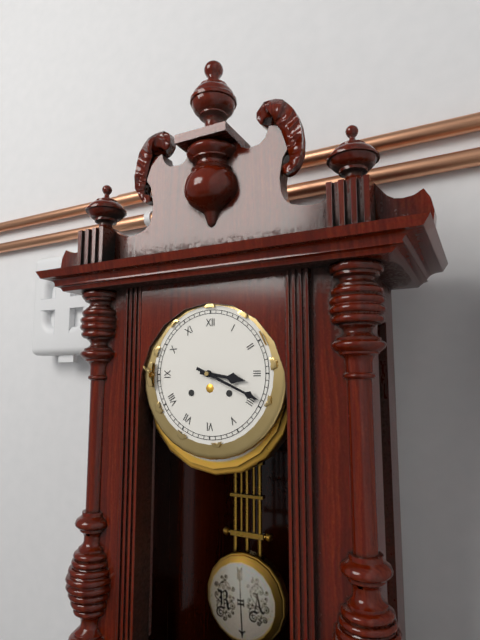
3:19
